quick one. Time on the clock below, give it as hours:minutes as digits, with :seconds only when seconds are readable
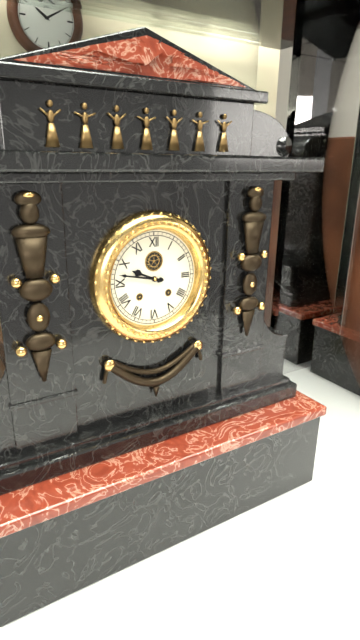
9:47
